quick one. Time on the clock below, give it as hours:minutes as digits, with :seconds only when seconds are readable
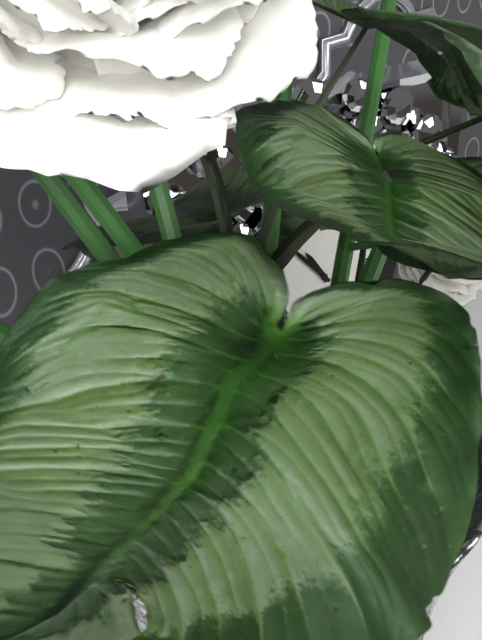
10:53
